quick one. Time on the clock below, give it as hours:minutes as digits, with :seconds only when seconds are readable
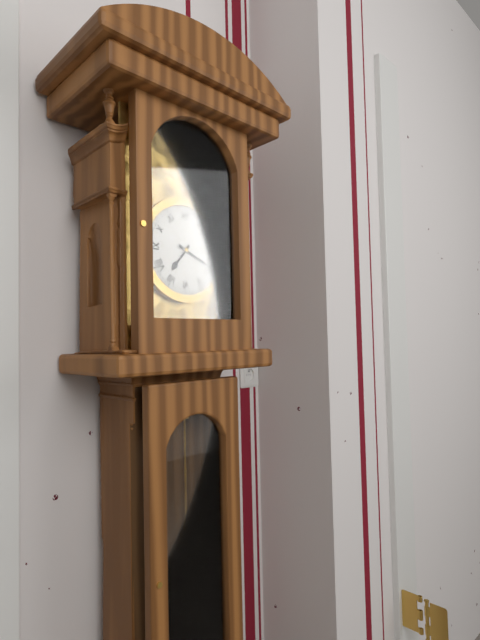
7:19
